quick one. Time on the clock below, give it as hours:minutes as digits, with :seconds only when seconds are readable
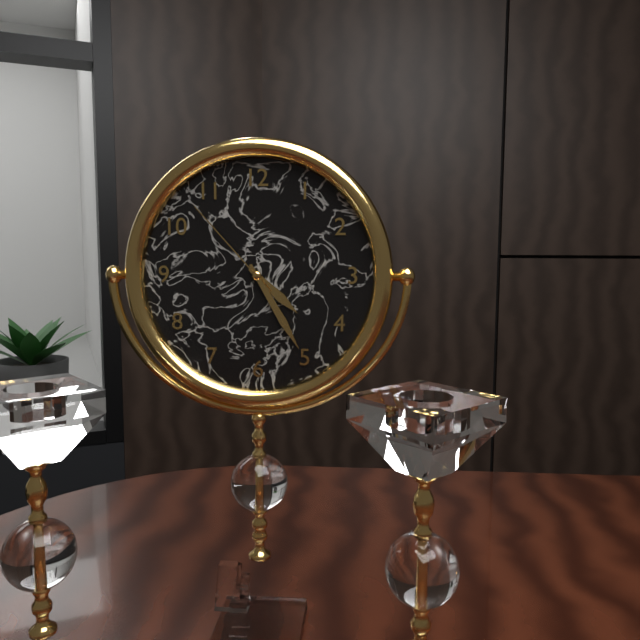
4:25:53
